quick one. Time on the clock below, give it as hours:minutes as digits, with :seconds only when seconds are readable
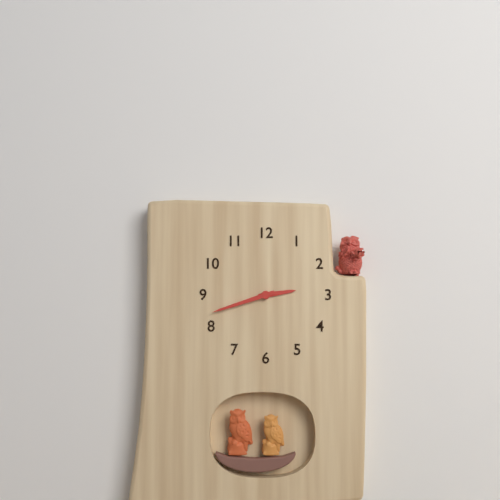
2:42
